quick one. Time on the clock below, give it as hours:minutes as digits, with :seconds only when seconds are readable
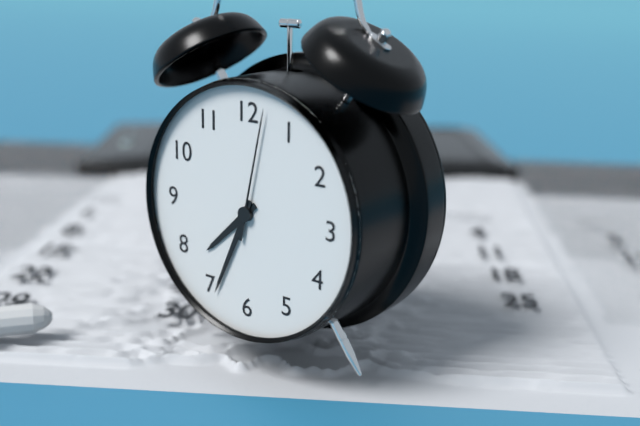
7:34:02
